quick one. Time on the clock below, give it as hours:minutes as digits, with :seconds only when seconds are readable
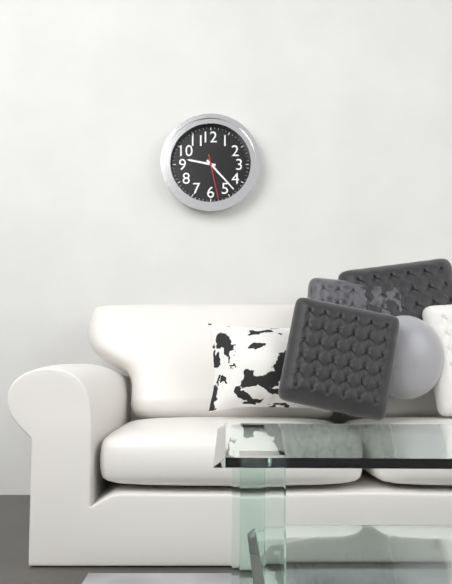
9:23
